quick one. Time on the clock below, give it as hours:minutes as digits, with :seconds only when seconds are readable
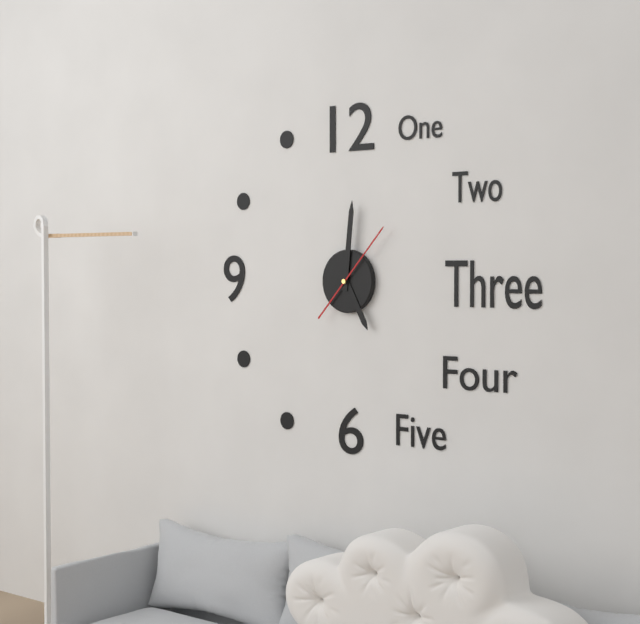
5:01:07
